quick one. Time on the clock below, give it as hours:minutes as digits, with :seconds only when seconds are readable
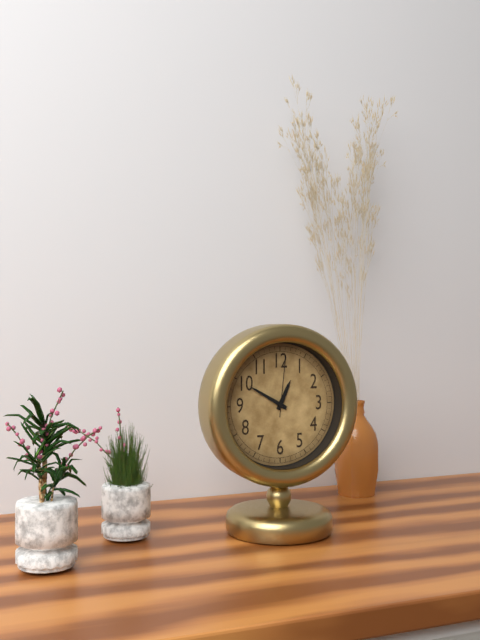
12:50:01
